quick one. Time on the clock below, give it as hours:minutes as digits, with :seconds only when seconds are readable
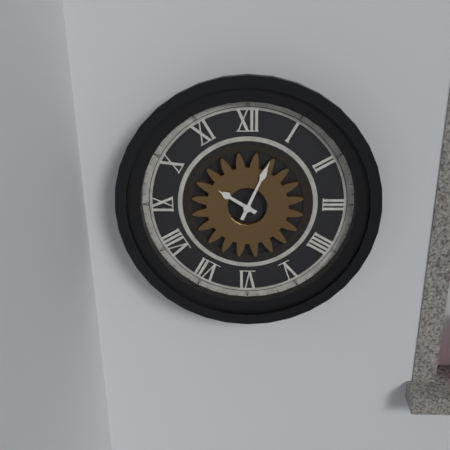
10:04
